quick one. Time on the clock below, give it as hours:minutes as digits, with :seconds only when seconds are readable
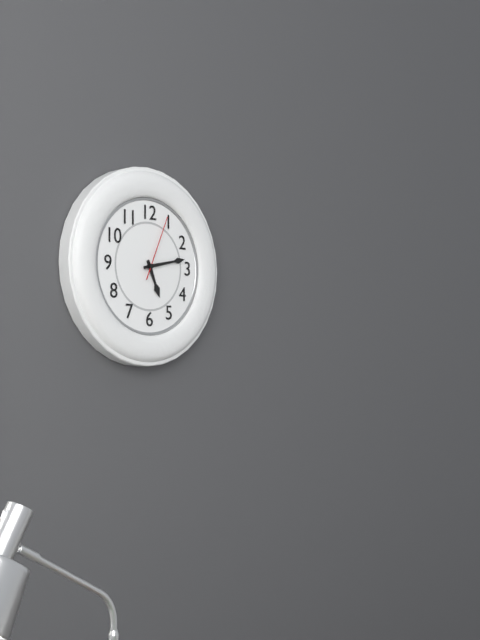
5:13:04
